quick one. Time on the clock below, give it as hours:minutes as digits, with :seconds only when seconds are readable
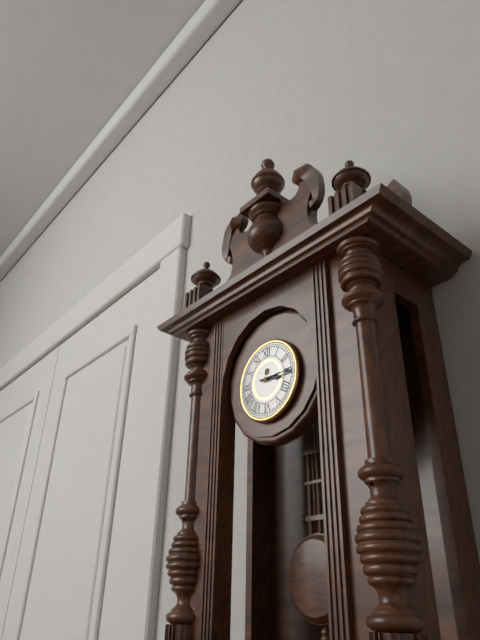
3:15
